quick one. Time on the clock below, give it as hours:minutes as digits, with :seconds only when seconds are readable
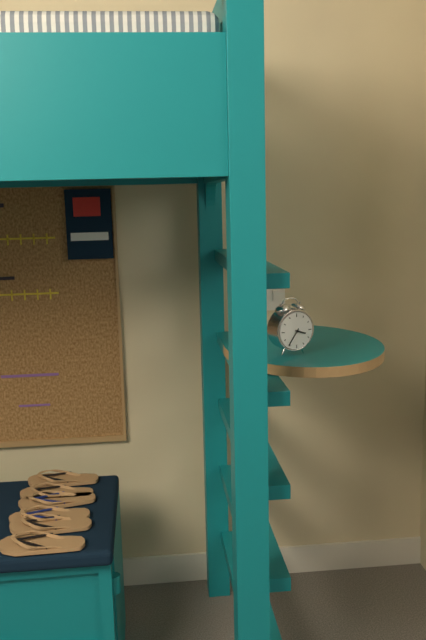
3:36
